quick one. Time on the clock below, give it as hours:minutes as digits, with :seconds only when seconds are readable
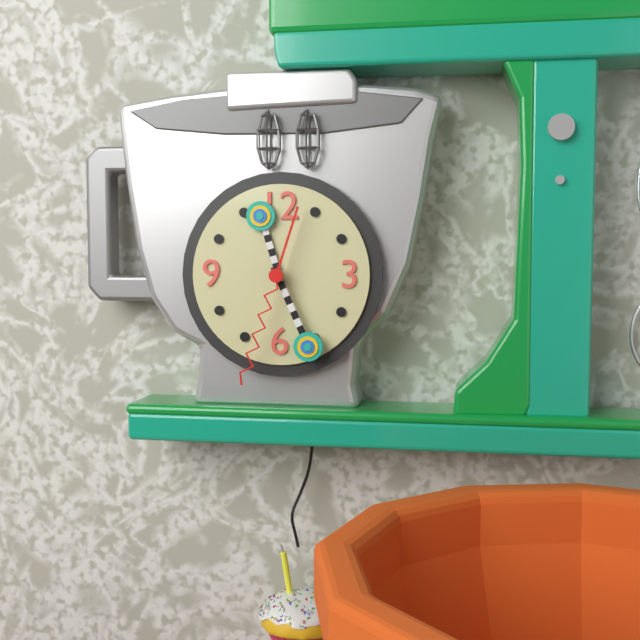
11:26:33
